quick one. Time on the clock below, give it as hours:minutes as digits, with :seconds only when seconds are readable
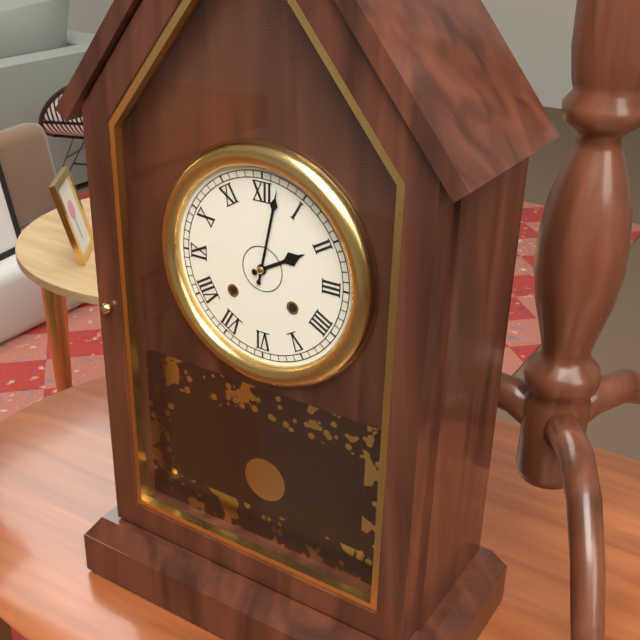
2:02
